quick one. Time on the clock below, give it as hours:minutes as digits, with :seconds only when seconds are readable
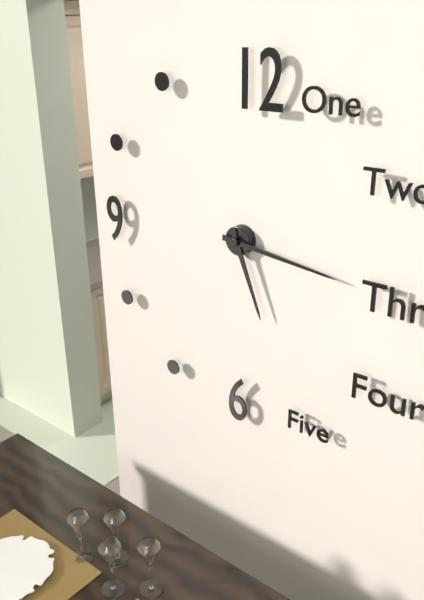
5:16
